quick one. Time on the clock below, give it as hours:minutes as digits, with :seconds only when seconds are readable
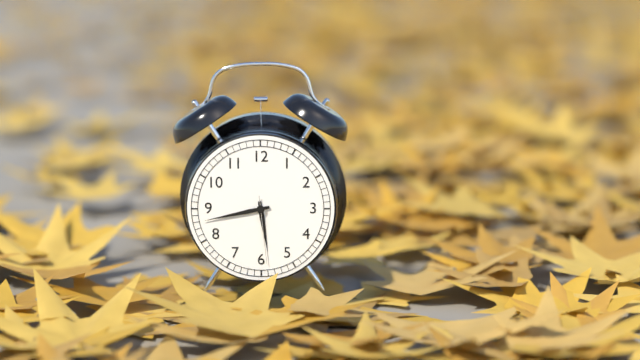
5:43:29
